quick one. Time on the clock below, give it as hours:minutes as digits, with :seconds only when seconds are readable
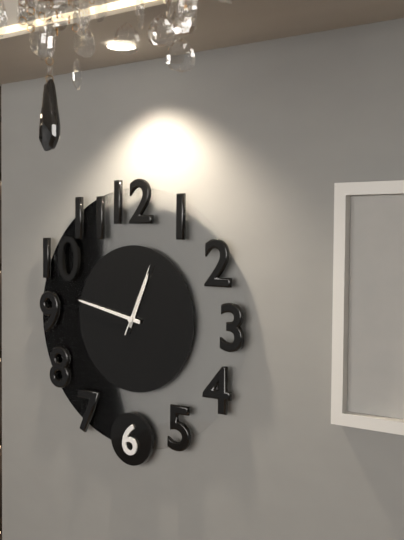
12:47:04
